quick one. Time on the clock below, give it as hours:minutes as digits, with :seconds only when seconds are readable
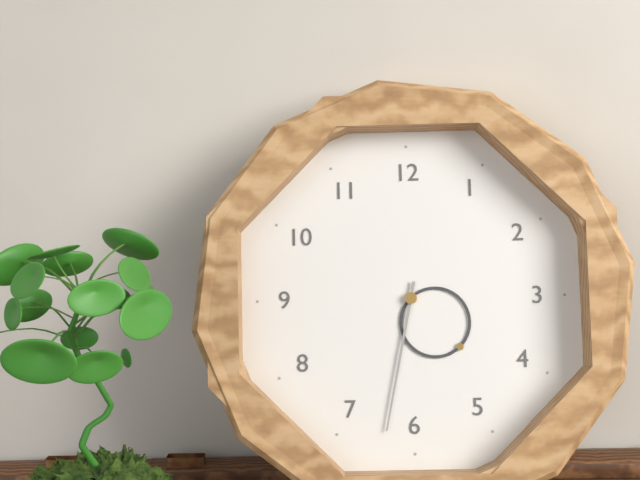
4:32
